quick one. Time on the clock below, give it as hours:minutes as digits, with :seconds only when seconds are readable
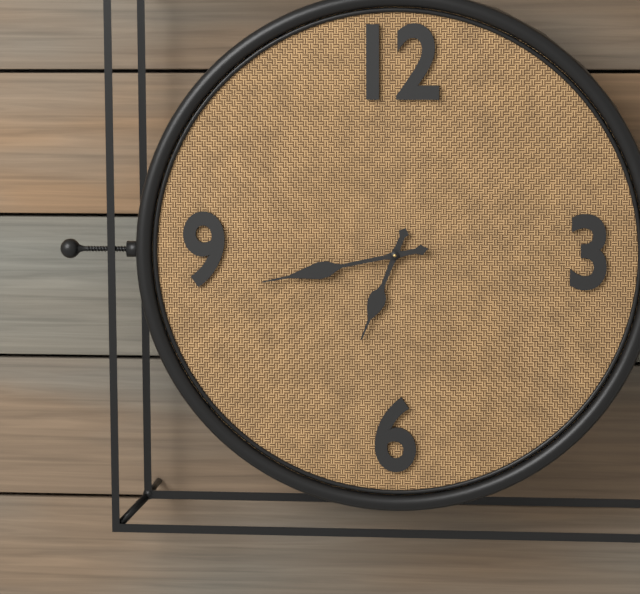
6:43
